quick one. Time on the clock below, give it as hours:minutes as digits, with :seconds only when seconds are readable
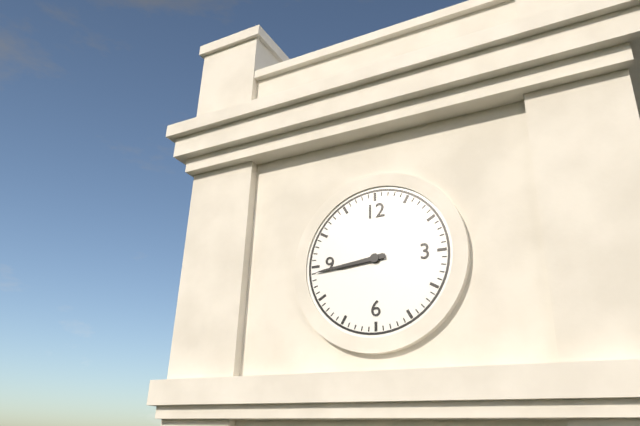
8:44
